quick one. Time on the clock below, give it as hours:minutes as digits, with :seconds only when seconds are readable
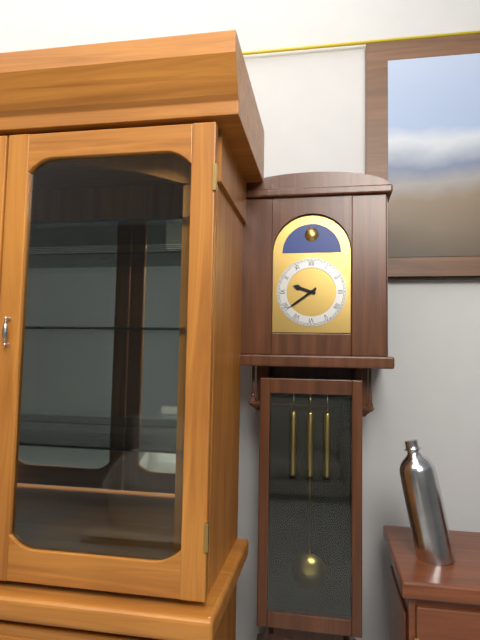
9:39
